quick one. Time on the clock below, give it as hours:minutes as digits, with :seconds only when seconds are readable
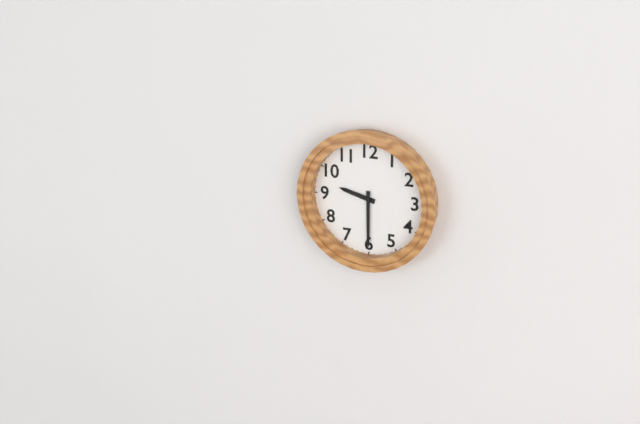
9:30
